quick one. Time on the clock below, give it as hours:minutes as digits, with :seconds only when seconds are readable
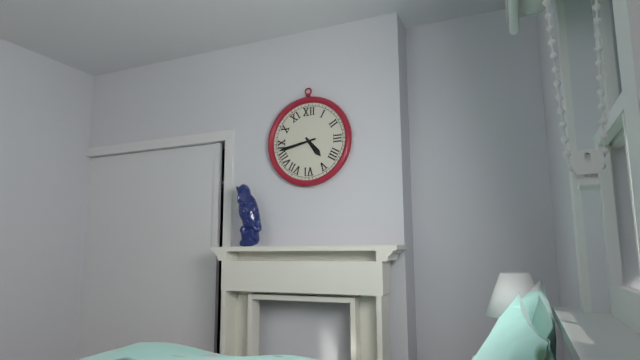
4:43
